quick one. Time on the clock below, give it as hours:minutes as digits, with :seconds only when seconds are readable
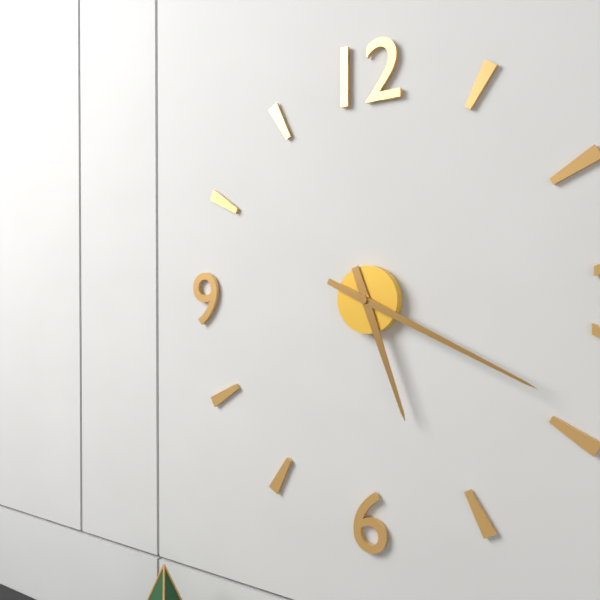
5:19
